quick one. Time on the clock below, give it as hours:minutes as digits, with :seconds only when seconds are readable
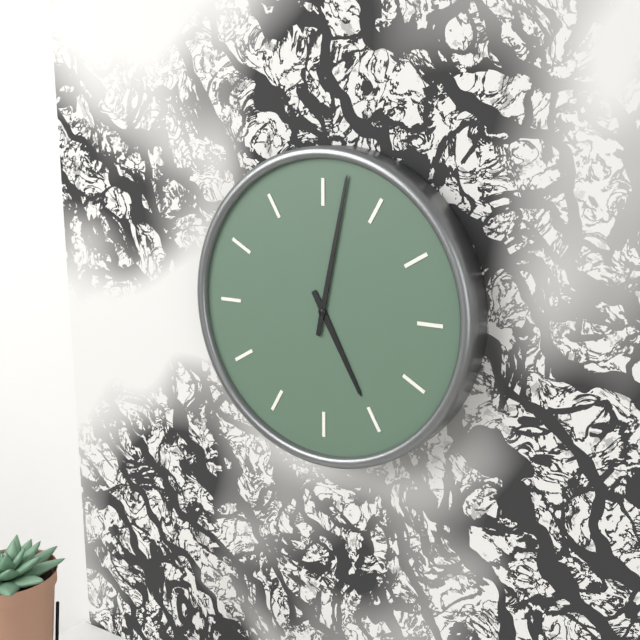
5:02
